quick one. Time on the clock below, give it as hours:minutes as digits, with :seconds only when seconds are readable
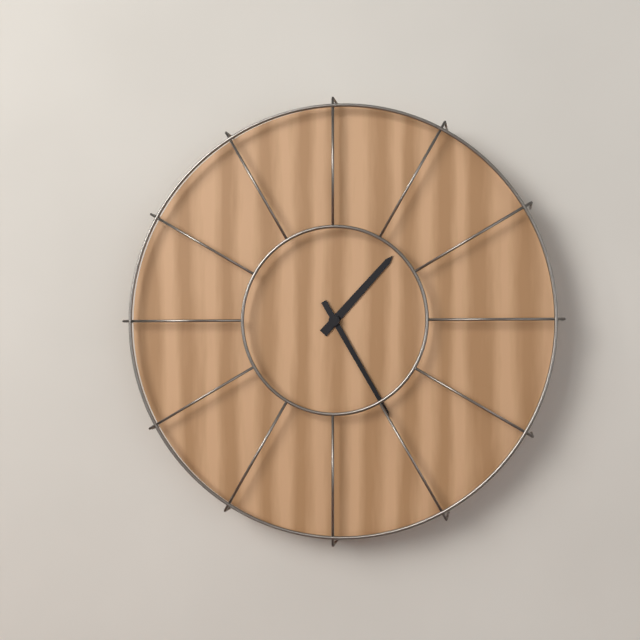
1:25
